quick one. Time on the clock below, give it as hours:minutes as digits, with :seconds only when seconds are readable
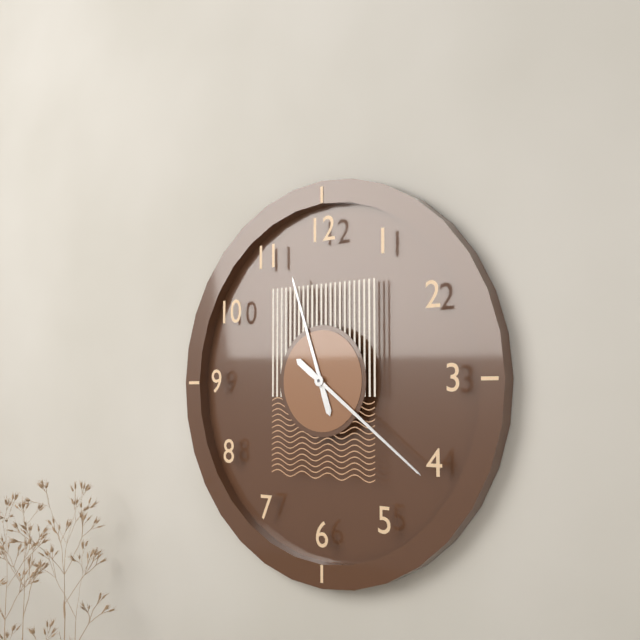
11:21
